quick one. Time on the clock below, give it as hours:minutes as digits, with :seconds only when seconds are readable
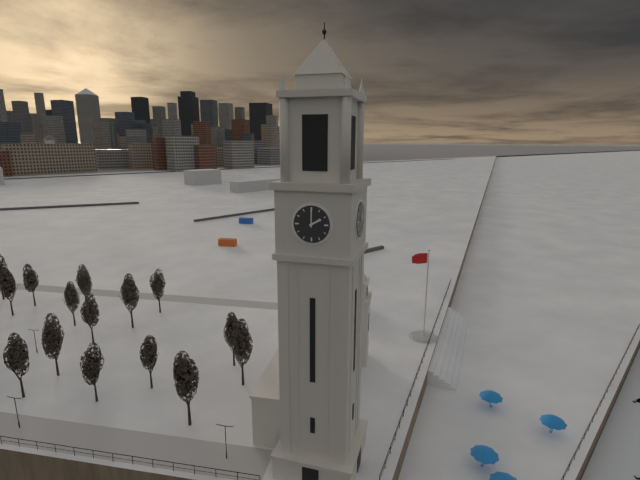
2:00
